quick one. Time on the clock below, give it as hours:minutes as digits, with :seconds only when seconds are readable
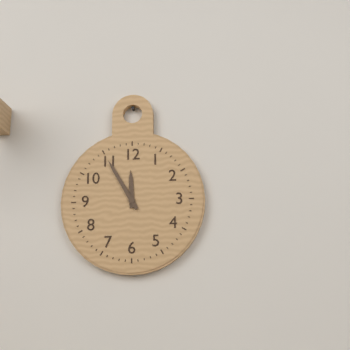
11:55
